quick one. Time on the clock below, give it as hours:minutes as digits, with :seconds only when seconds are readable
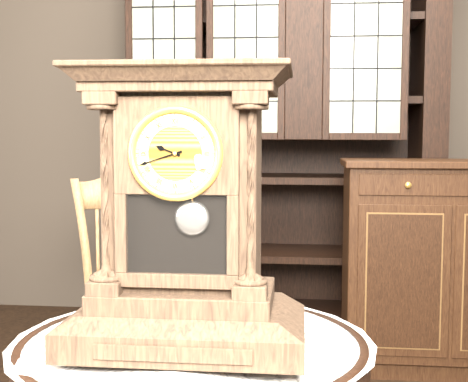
9:42
